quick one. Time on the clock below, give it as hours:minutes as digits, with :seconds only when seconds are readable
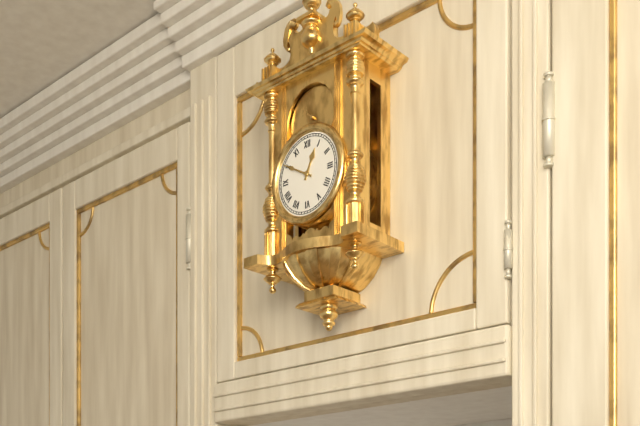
12:50
